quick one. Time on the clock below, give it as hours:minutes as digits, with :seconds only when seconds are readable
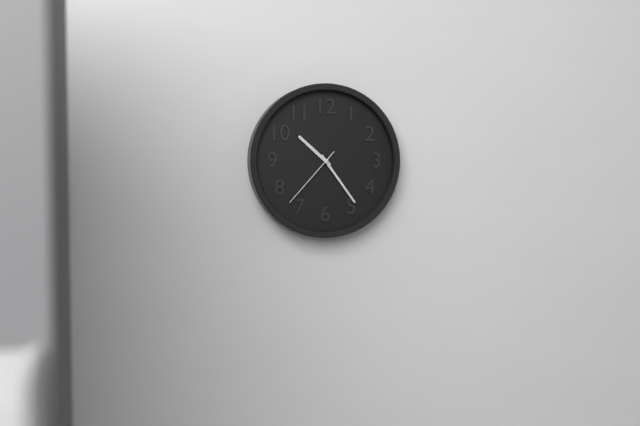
10:24:37
